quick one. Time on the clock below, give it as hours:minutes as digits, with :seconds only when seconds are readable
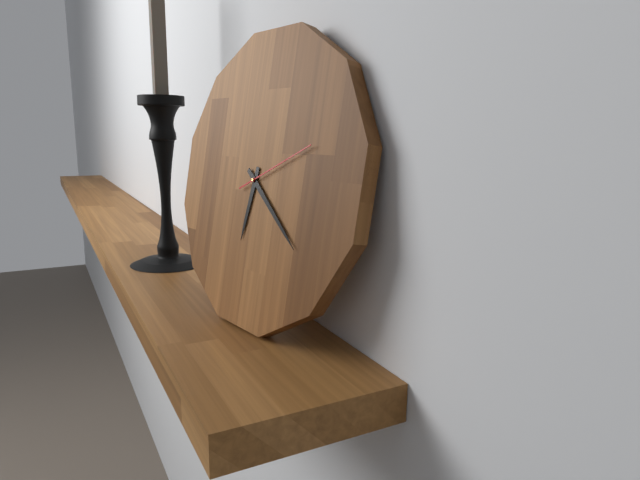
6:21:11
